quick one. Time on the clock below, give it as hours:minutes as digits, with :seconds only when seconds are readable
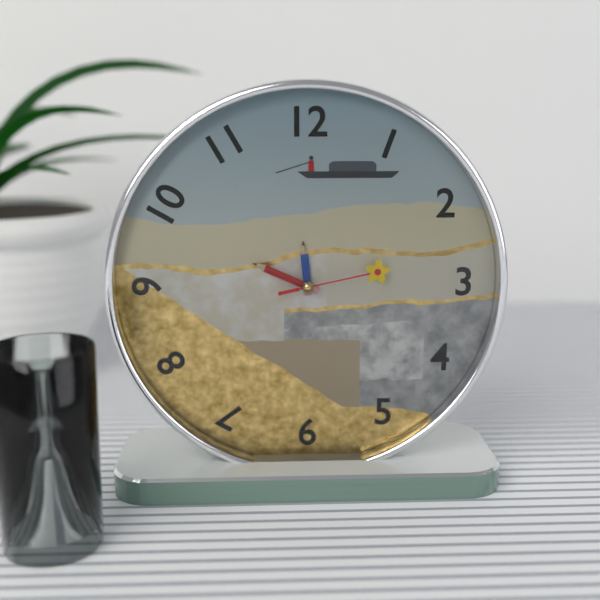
11:49:13
